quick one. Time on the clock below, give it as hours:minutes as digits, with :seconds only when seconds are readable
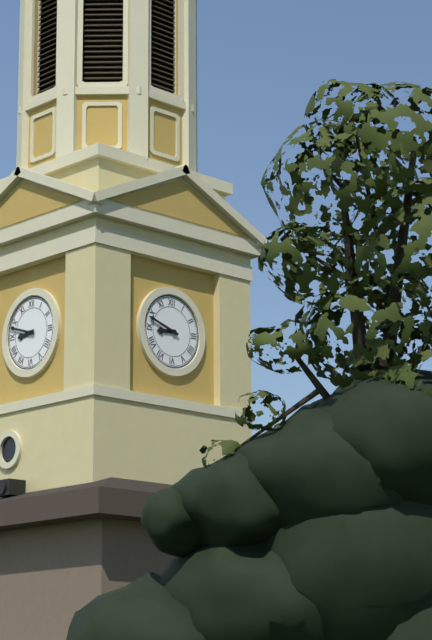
8:48
